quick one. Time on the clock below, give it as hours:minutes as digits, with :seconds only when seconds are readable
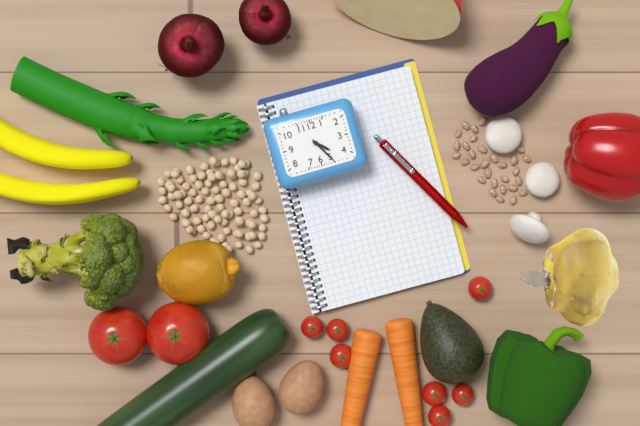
4:25
